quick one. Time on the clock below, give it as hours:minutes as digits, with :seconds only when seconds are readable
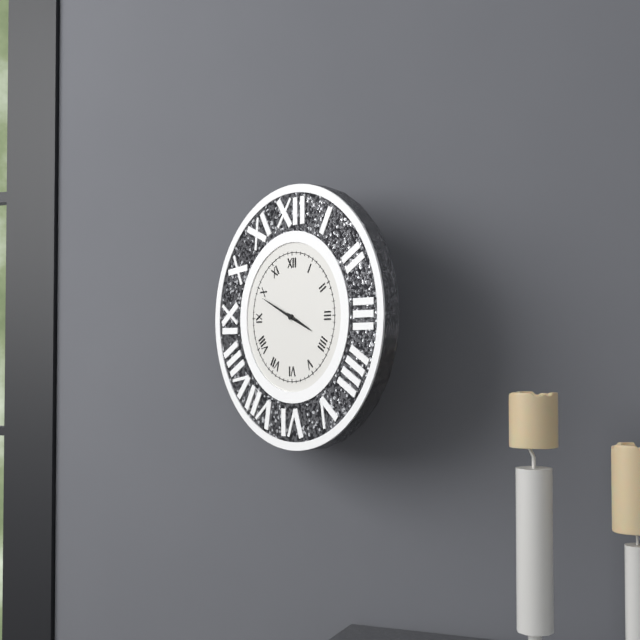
3:49
